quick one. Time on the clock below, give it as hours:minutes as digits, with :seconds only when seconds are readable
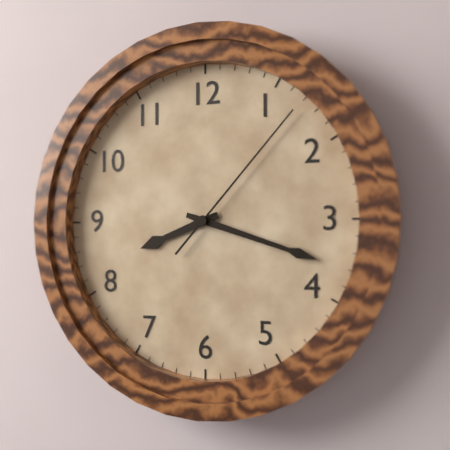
8:18:07
